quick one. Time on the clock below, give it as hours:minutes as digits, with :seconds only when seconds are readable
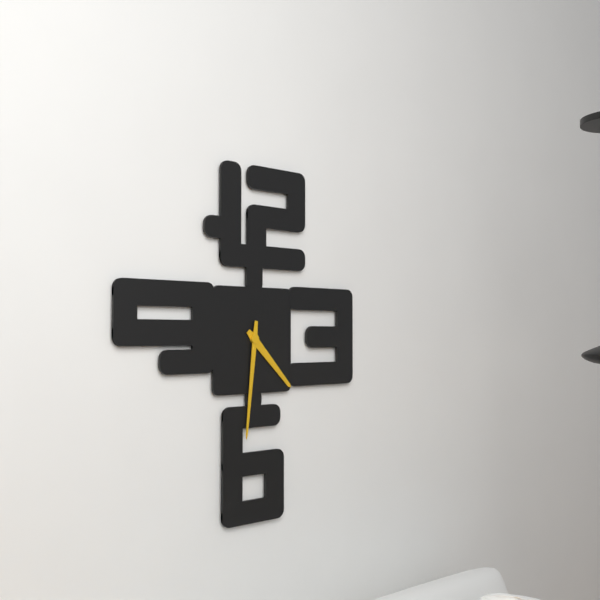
4:31
